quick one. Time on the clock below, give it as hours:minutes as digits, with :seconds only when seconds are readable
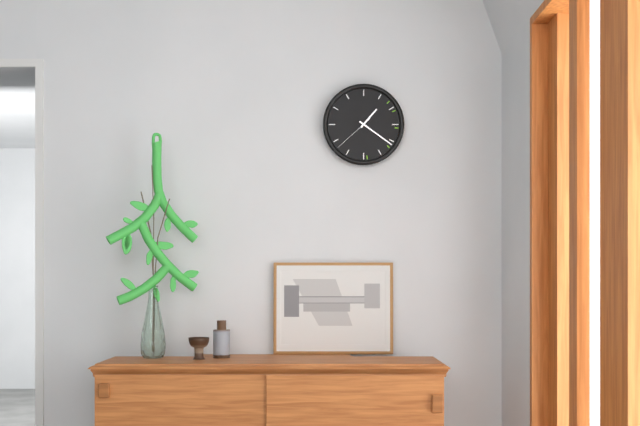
1:21
